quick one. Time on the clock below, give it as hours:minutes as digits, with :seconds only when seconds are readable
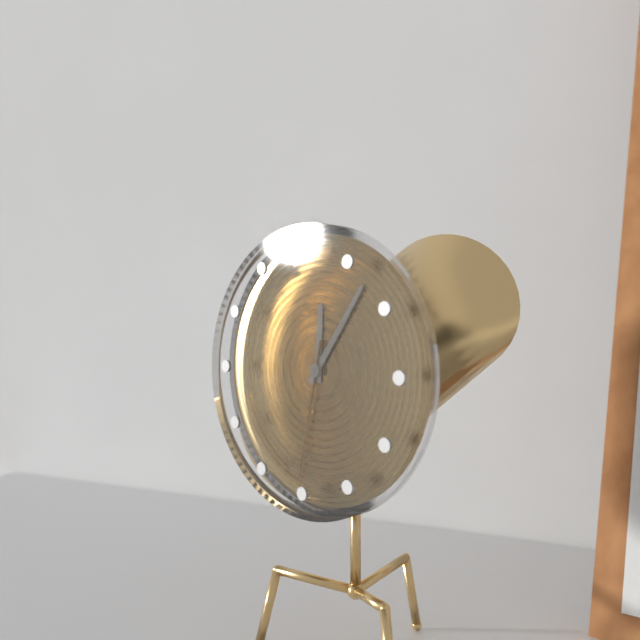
12:06:32
